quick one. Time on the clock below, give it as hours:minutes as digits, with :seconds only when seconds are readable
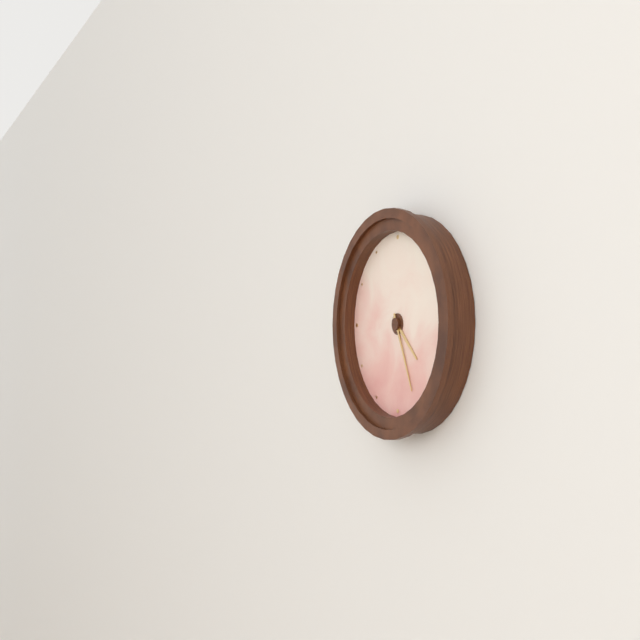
4:26
